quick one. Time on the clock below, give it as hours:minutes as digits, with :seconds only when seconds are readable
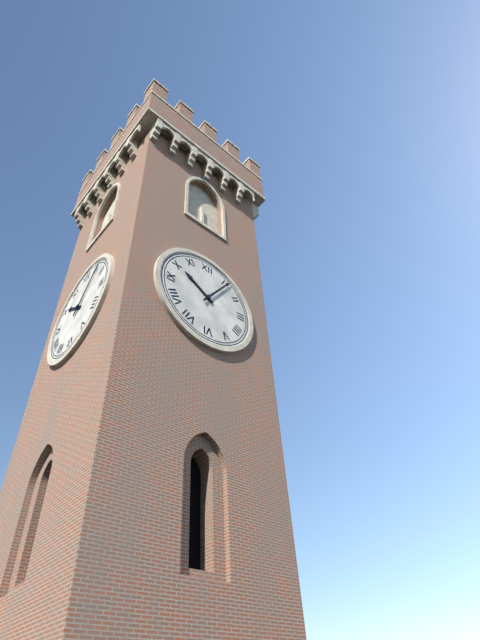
10:06
